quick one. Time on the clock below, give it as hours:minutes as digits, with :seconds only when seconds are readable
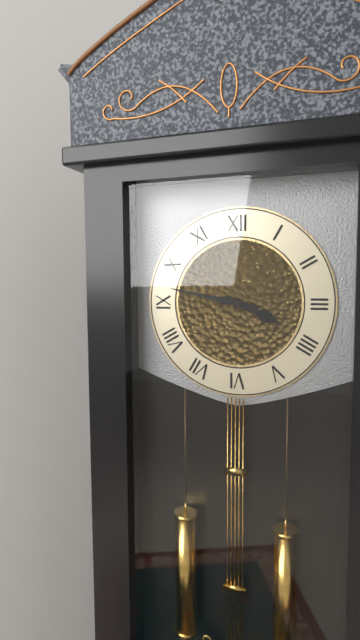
3:47
